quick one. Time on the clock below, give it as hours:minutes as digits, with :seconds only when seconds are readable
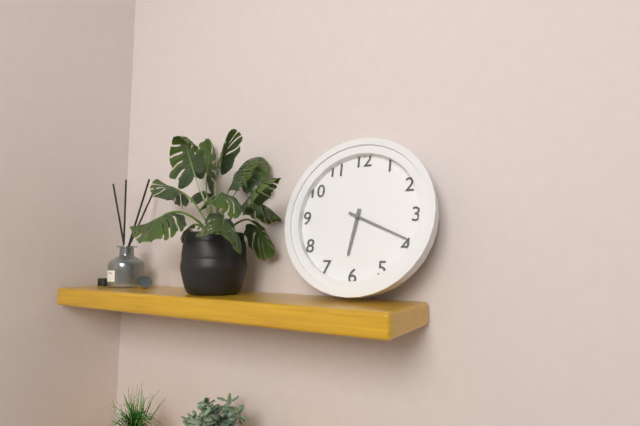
6:19
